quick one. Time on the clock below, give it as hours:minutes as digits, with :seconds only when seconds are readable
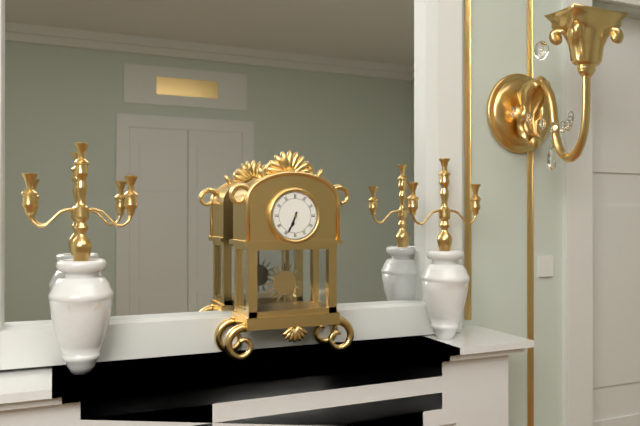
6:34
